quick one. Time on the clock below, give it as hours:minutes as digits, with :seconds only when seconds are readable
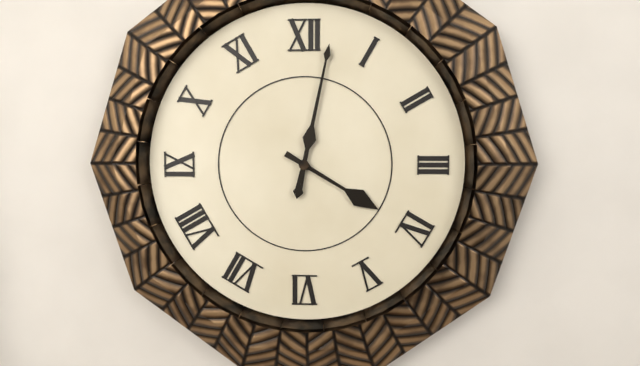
4:02
